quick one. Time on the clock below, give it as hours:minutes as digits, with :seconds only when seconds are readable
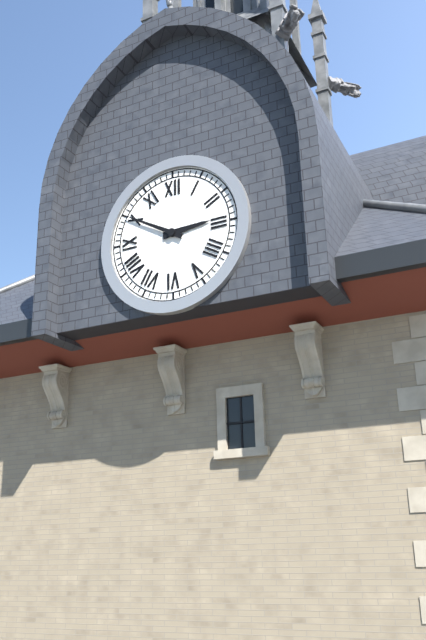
2:50
